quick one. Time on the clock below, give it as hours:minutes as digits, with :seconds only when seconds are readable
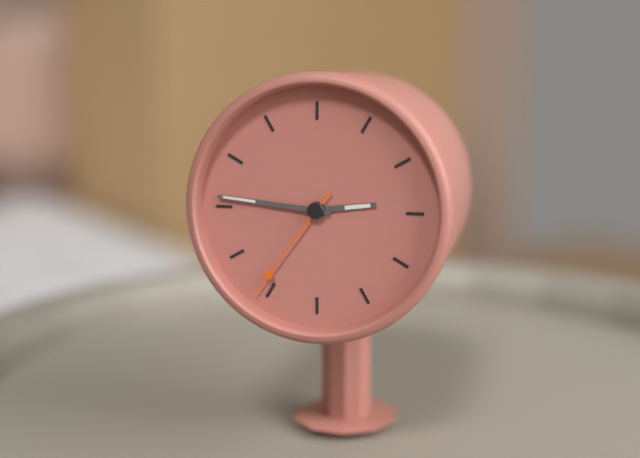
2:46:36
